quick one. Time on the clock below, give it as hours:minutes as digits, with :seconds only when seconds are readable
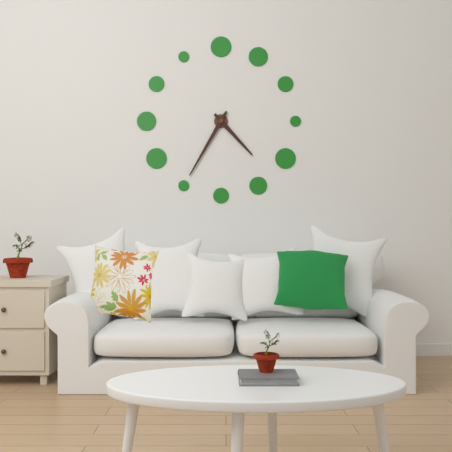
4:35
